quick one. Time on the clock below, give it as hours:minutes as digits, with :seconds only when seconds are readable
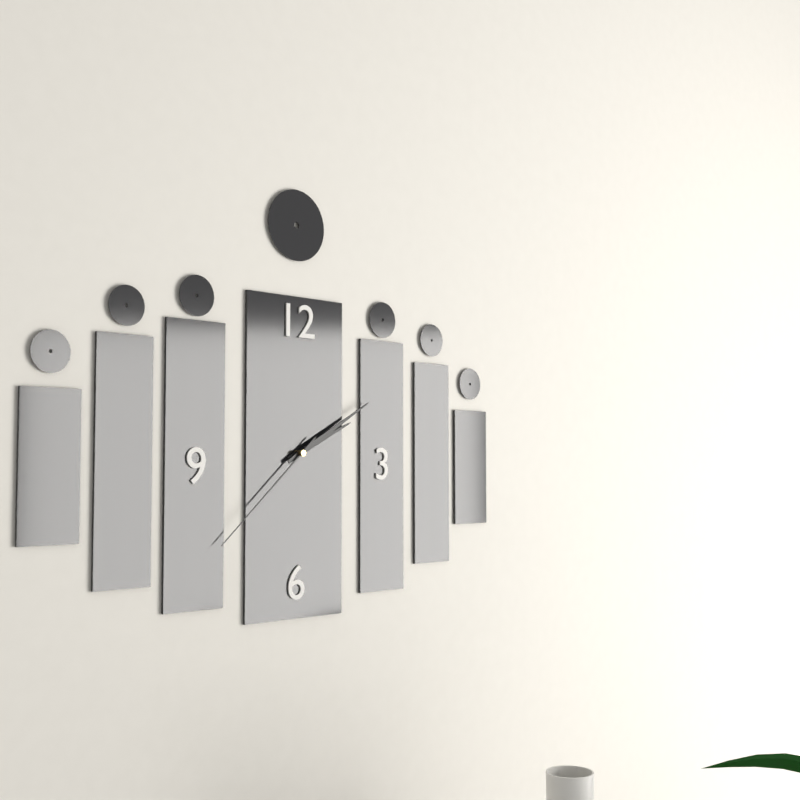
2:10:38
